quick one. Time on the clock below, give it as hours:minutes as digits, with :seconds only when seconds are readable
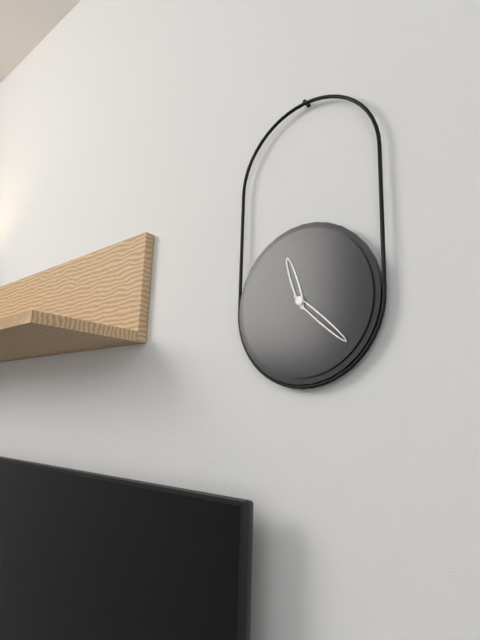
11:22
